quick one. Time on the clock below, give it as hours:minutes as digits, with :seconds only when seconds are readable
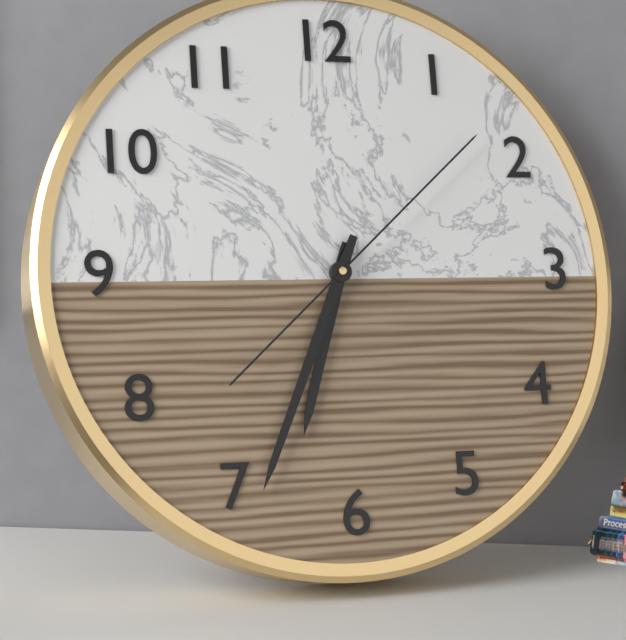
6:34:08
